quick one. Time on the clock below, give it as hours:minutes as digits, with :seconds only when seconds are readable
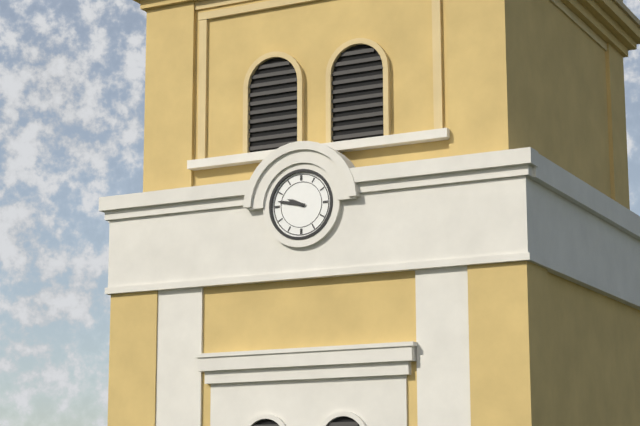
9:47
